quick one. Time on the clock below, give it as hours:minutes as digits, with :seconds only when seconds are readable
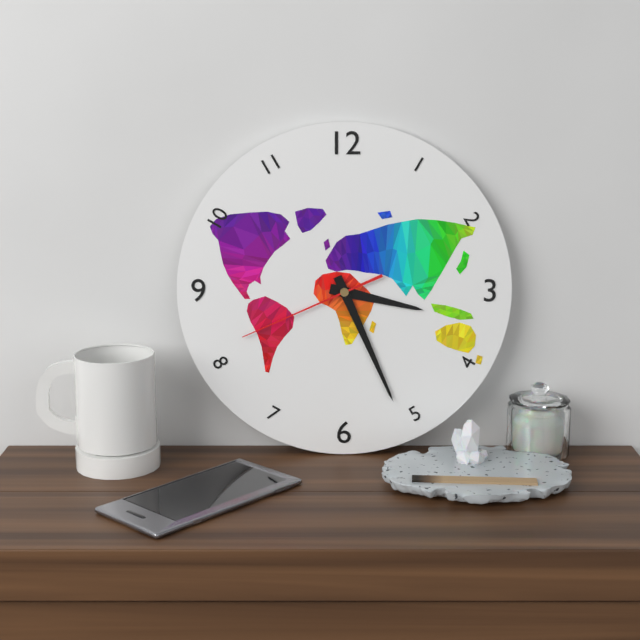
3:26:41
